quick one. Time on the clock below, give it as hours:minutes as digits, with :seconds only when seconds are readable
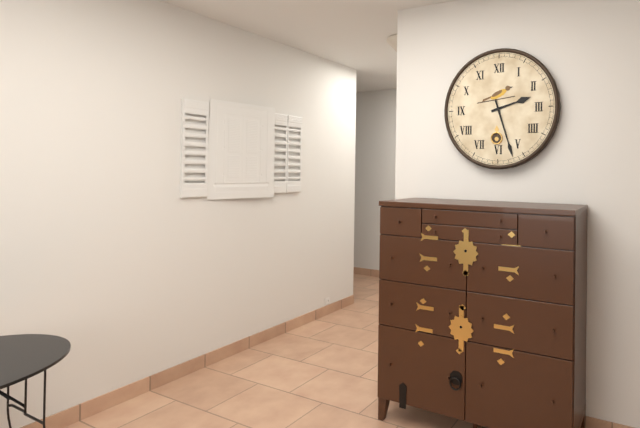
2:27
